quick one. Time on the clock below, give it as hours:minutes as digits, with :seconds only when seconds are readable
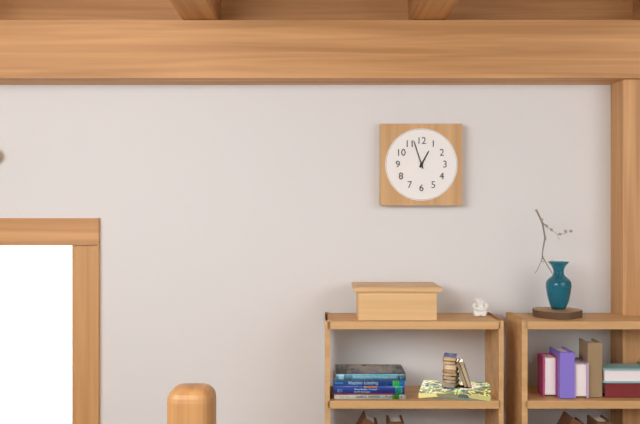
12:57
